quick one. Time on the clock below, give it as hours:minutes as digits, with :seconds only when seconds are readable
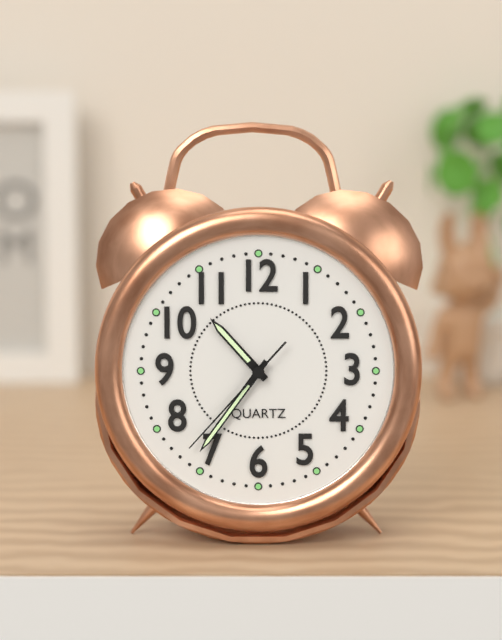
10:36:37
